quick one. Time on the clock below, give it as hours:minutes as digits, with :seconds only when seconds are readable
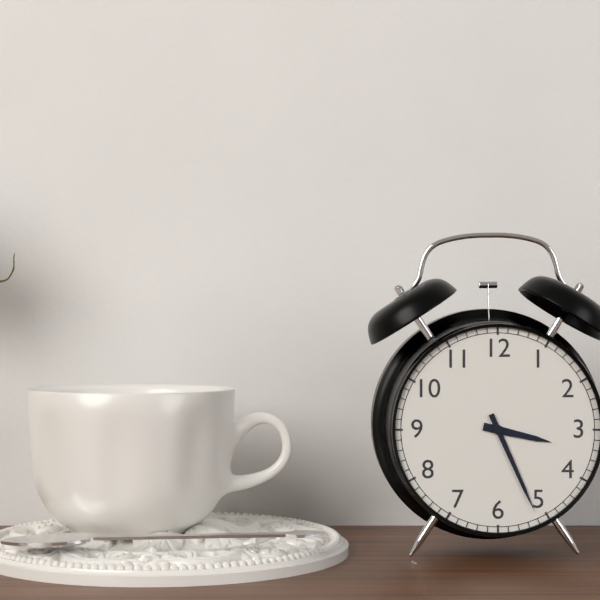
3:26
